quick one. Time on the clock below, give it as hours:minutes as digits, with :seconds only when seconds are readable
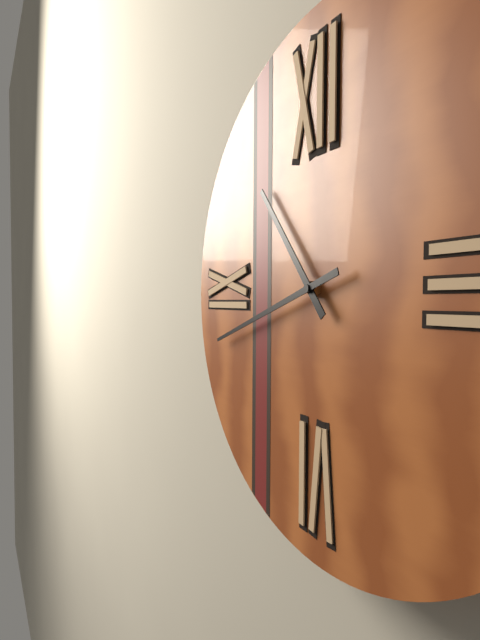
10:42
